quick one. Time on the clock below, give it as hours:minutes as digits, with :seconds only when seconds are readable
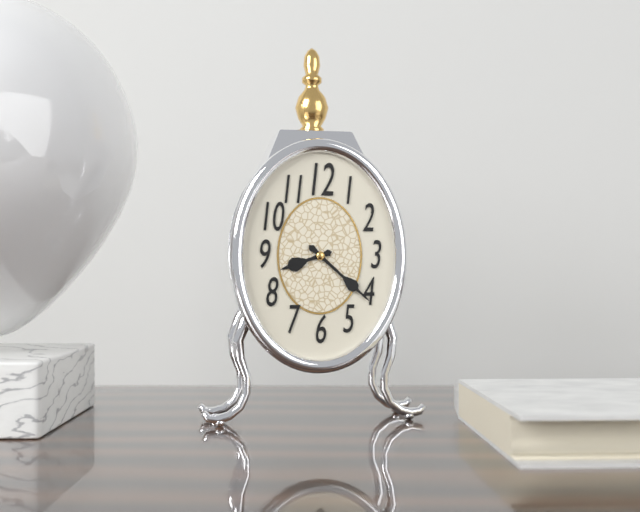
8:22
